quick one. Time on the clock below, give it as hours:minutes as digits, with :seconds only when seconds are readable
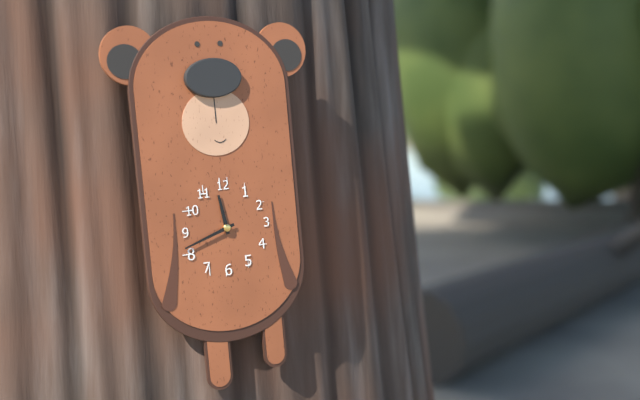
11:42
